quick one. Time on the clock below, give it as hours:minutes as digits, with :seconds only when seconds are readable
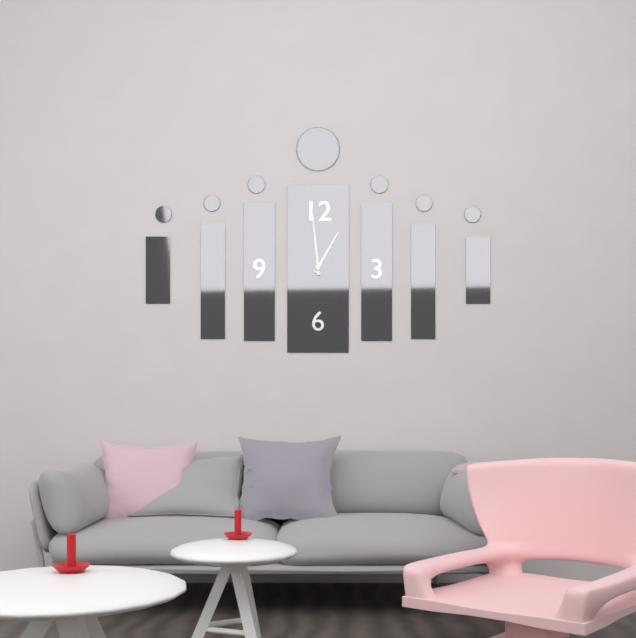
12:59
